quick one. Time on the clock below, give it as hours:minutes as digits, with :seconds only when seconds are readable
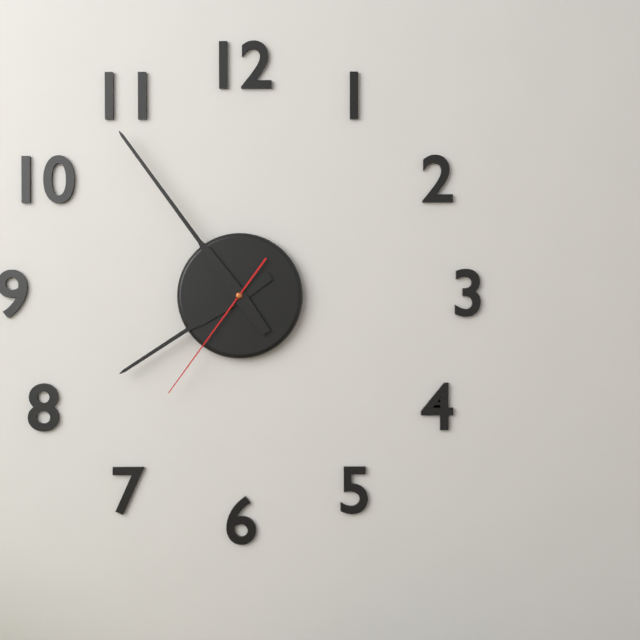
7:54:36
